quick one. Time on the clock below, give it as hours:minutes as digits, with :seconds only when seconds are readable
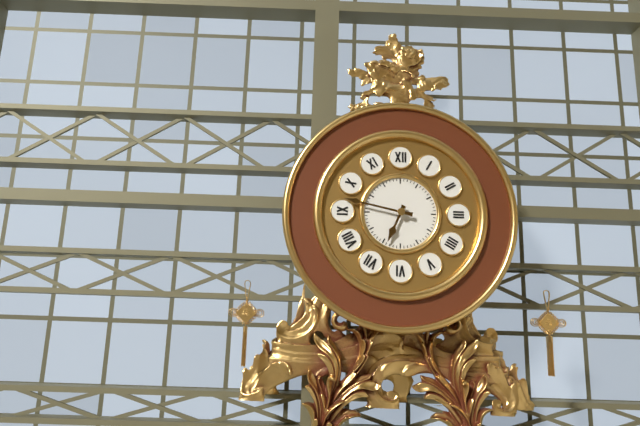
6:47
